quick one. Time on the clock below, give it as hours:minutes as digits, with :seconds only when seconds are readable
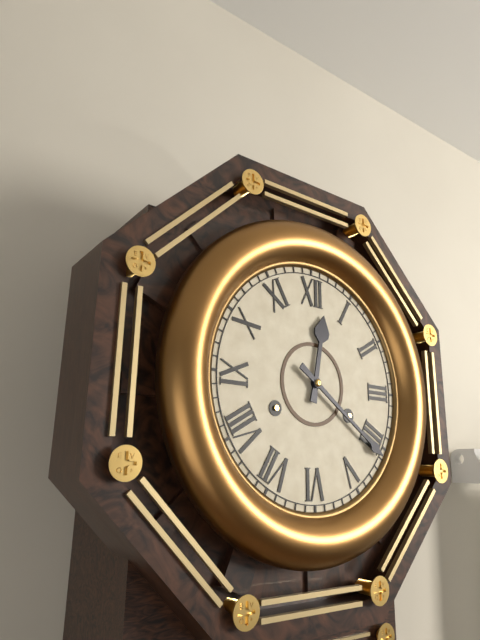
12:21
